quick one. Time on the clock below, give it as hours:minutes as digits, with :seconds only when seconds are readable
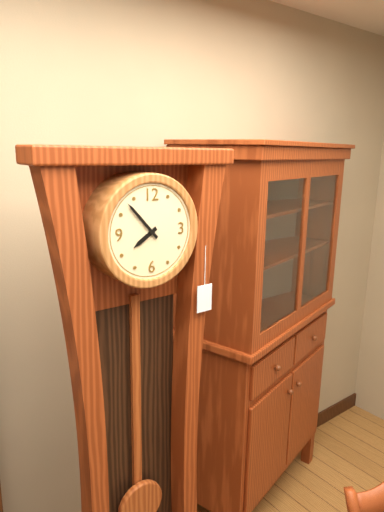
7:53
